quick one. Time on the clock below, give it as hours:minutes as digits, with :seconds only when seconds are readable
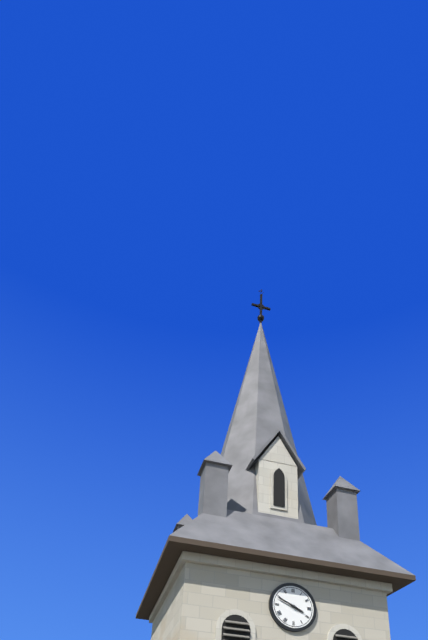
3:49
